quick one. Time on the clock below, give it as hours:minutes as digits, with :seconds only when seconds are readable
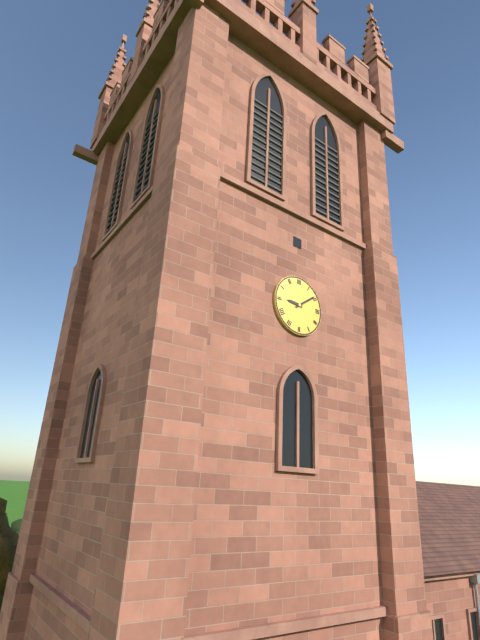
9:09
